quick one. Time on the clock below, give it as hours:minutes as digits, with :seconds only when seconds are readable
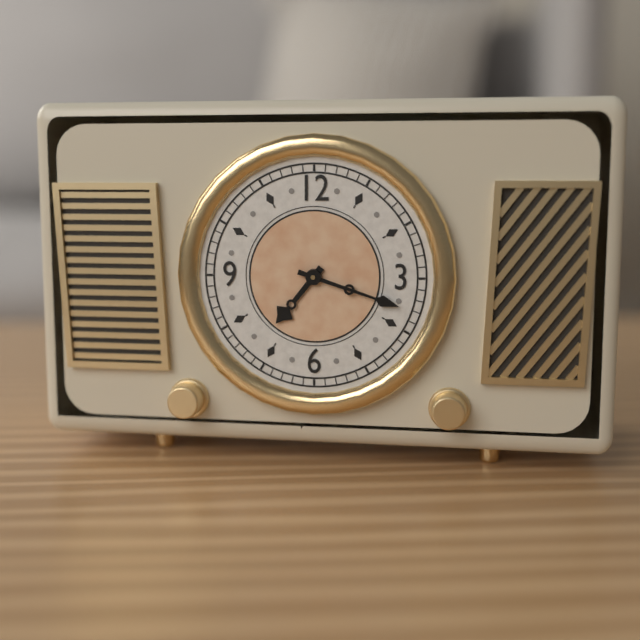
7:18
